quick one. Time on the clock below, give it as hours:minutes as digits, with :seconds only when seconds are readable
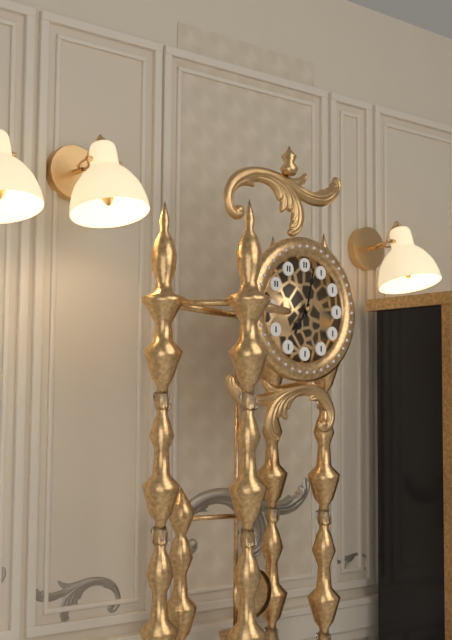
7:02
